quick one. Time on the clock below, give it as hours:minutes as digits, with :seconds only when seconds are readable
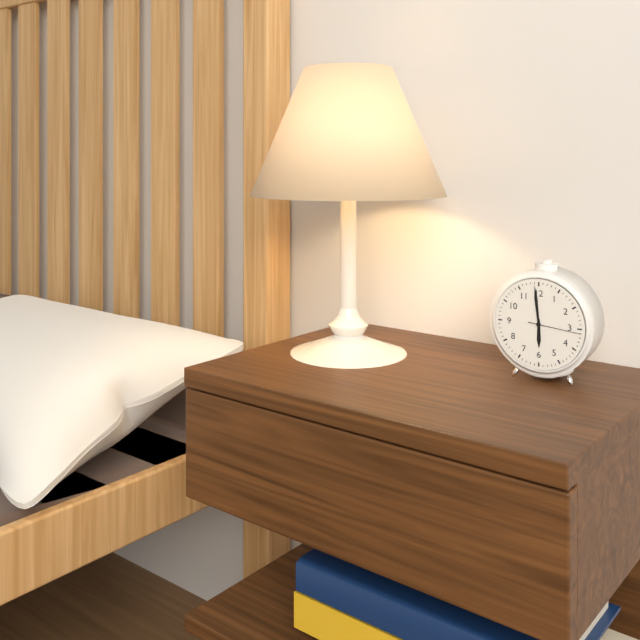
5:59:16
